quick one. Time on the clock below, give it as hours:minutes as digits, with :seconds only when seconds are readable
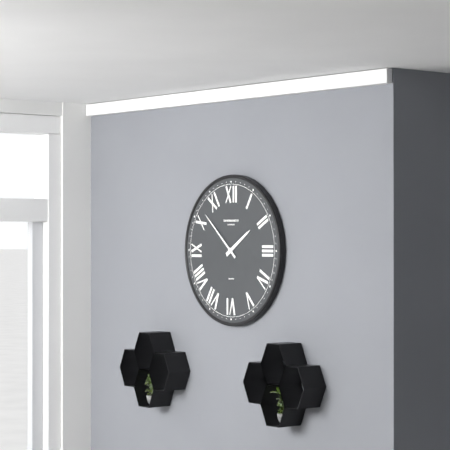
1:52
